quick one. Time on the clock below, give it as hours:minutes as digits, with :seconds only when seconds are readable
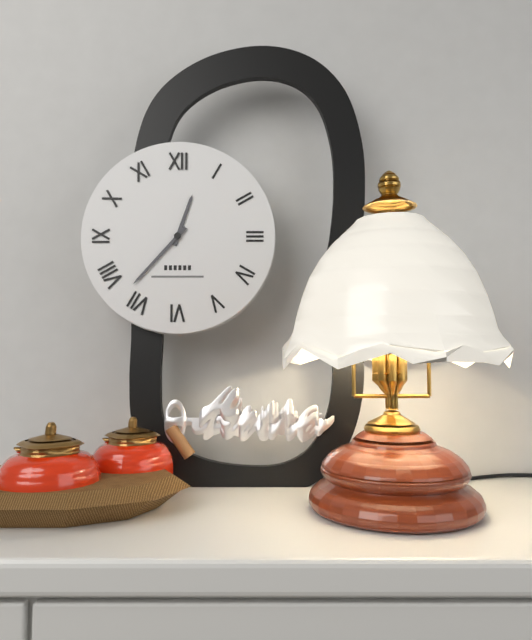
12:37
